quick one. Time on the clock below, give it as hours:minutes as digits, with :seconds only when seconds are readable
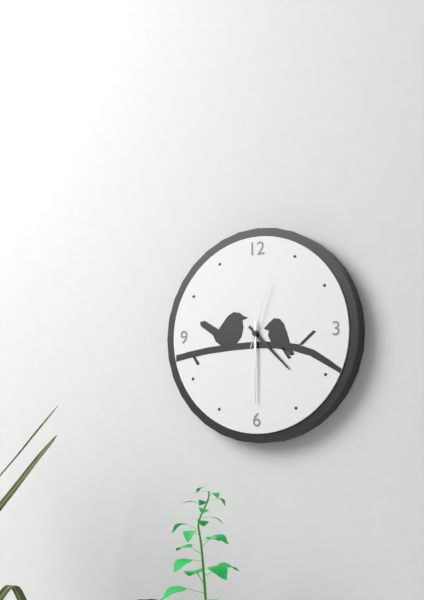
4:30:03
